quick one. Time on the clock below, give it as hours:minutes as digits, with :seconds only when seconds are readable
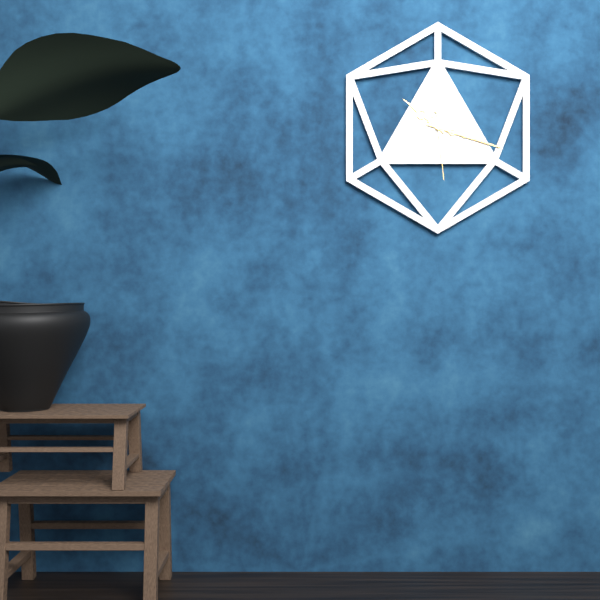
10:18:29
